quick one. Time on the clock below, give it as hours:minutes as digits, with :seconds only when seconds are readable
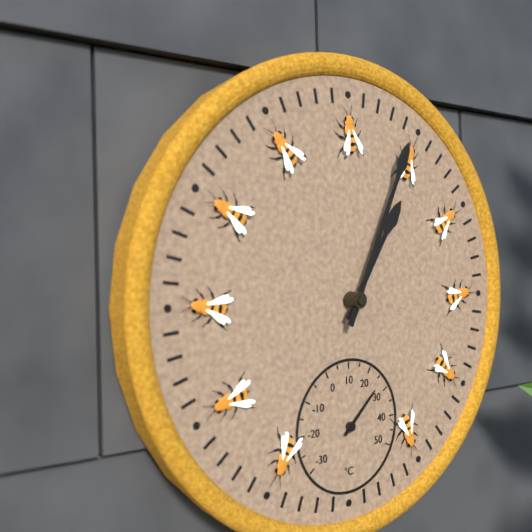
1:04
